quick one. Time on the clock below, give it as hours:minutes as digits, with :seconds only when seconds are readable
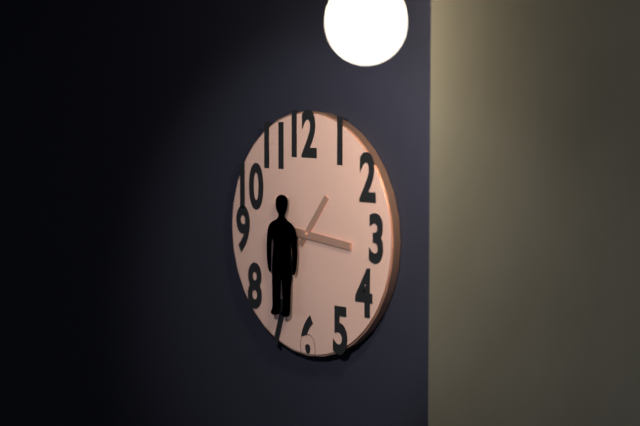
1:16
